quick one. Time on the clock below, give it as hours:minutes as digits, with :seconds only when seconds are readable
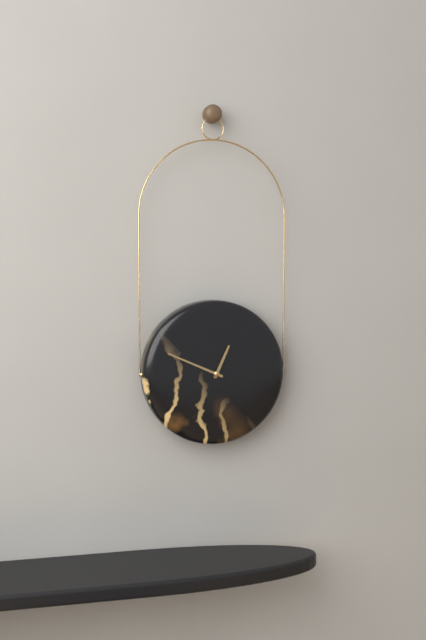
12:49
